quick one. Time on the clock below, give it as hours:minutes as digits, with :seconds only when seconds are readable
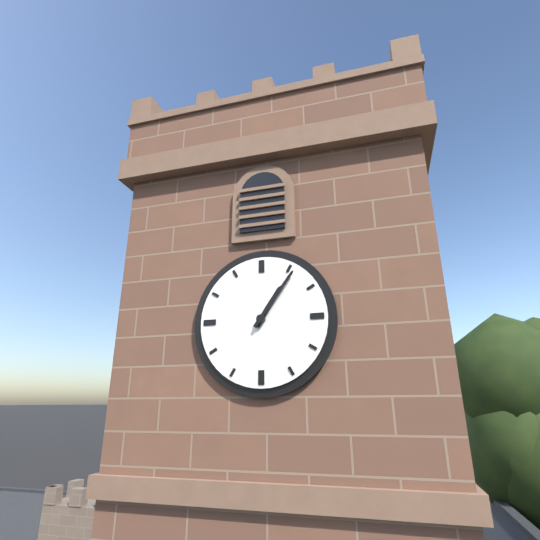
1:06
